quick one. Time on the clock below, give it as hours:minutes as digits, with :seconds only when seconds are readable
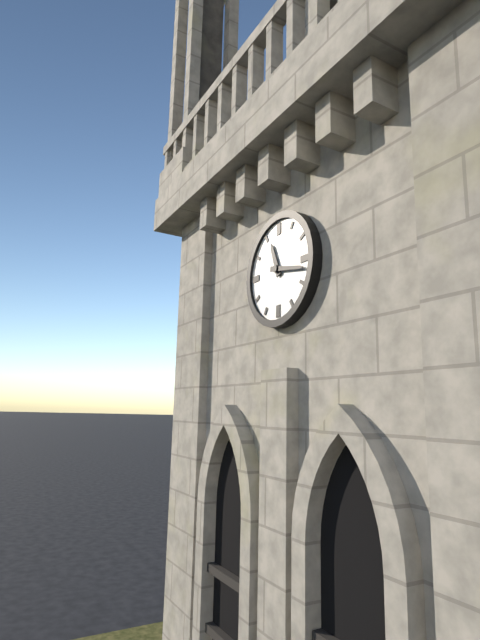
11:17
